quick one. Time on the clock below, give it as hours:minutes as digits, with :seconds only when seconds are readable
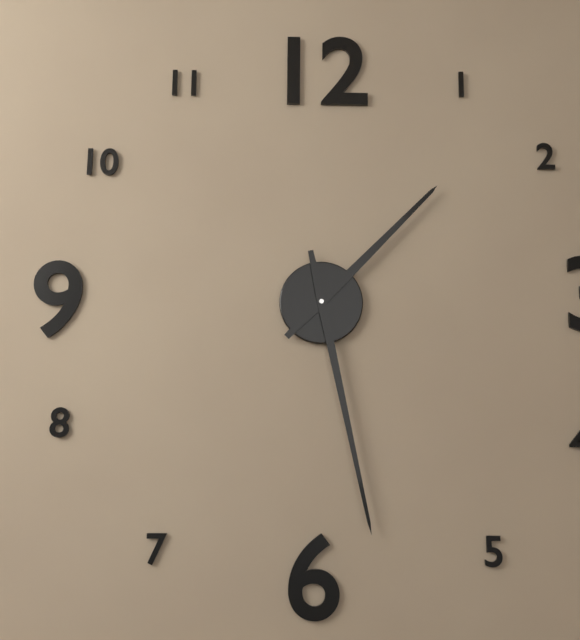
1:28
